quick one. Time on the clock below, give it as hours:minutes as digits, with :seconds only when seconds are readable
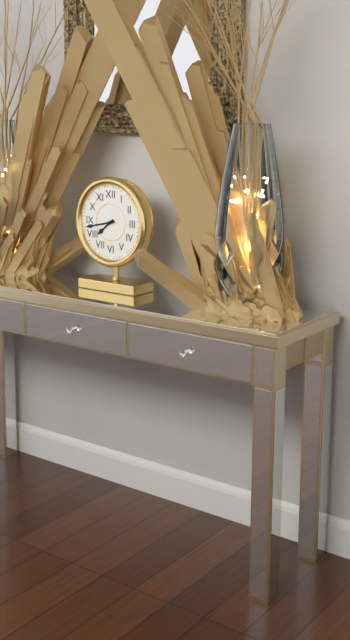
7:43
